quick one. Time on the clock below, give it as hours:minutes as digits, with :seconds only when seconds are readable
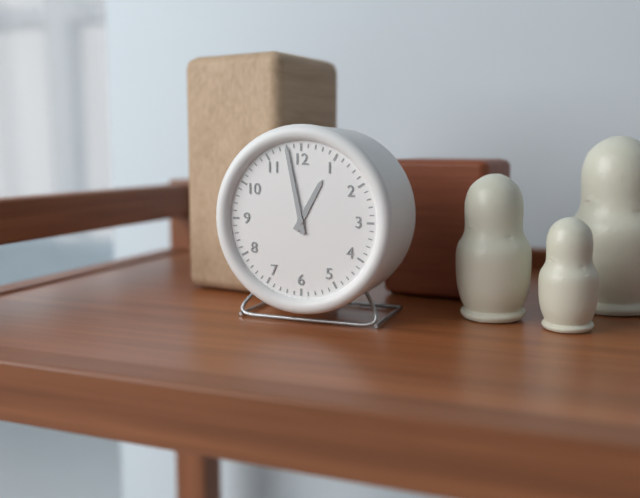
12:58
